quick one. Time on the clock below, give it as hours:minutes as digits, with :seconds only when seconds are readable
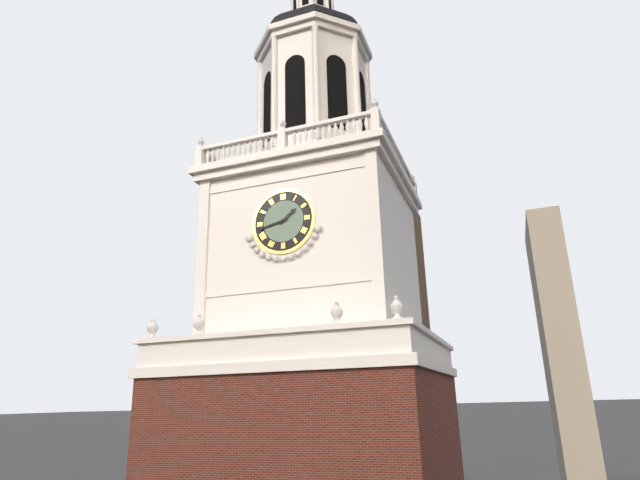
1:43
